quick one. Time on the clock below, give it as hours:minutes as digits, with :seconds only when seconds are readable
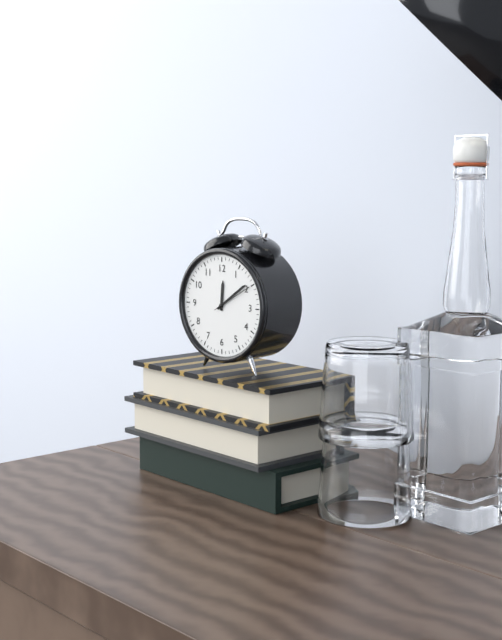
12:09
